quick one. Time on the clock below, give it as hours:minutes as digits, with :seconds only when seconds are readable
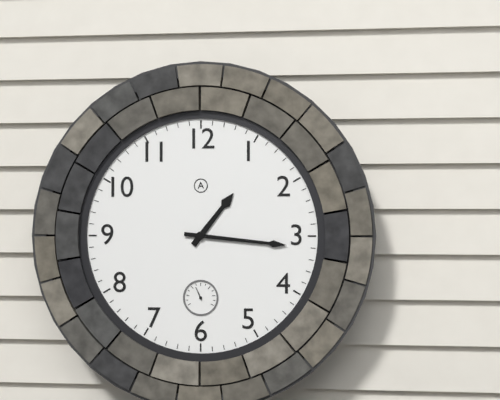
1:16
